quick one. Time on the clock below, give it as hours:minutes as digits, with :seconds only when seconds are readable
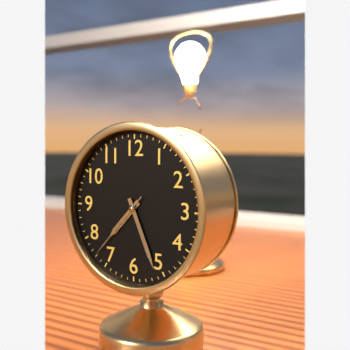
7:26:37
